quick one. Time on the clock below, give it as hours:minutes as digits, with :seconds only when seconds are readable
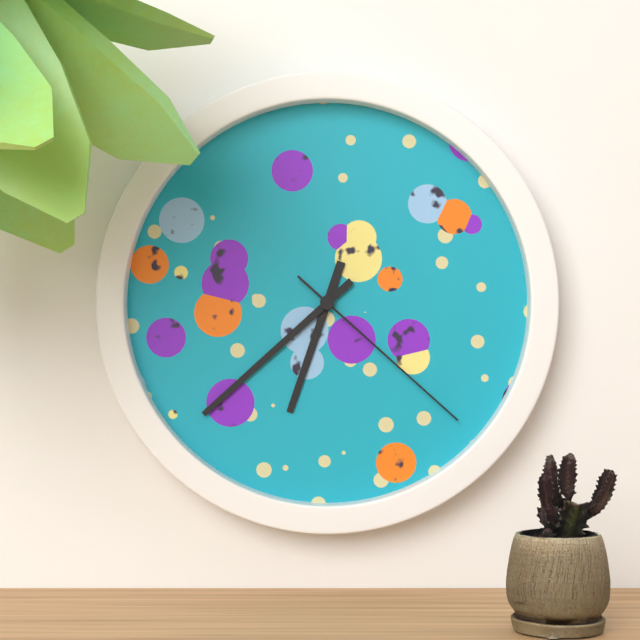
6:38:22
